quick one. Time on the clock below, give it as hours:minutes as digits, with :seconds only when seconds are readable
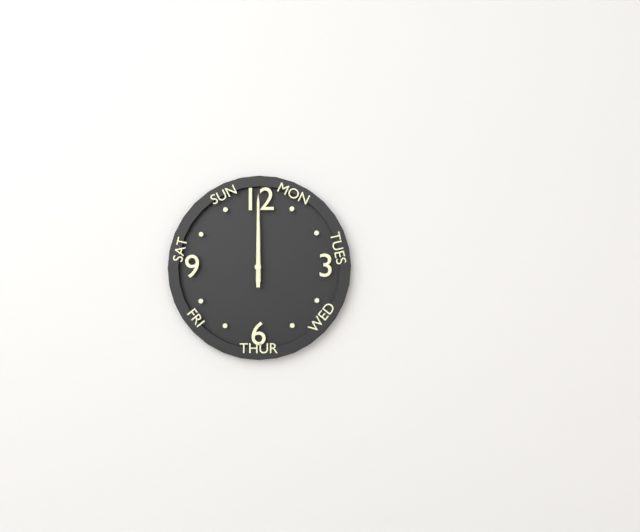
12:00
